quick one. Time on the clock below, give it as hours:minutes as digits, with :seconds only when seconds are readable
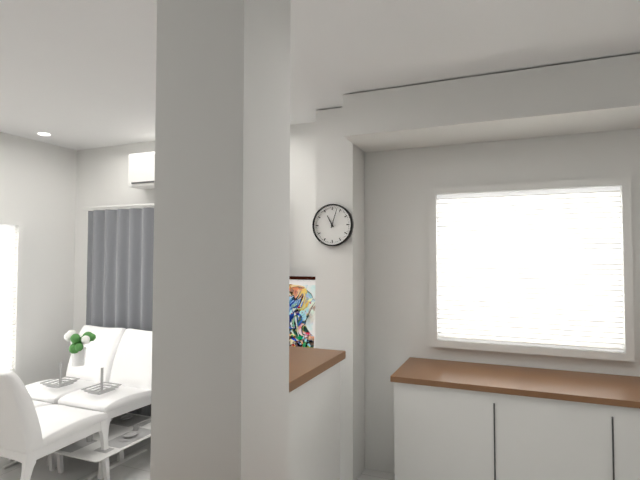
11:03
